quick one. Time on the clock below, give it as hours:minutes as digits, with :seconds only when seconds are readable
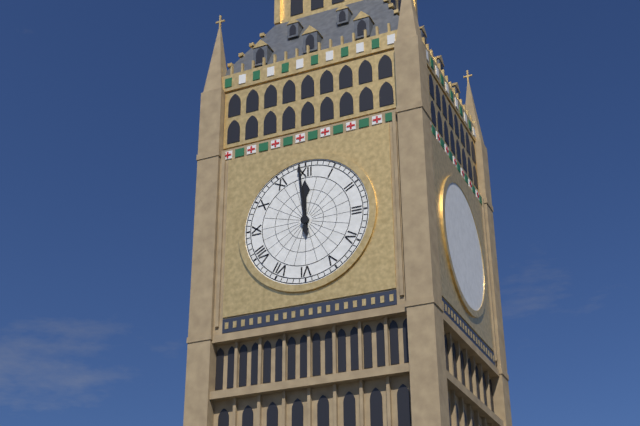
11:59
